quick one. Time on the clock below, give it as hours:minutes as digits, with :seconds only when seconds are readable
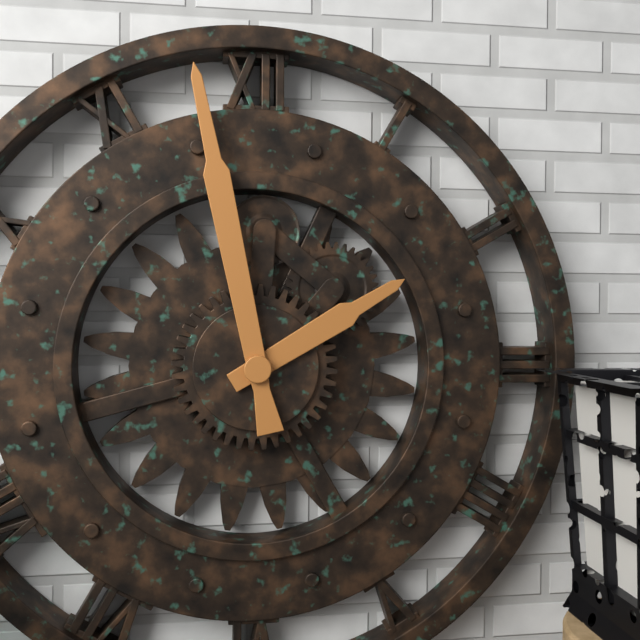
1:58
